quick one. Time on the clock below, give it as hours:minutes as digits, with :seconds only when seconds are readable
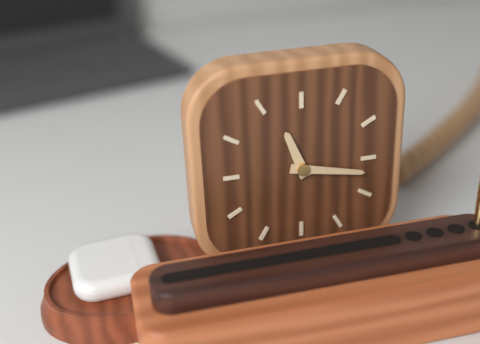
11:17
